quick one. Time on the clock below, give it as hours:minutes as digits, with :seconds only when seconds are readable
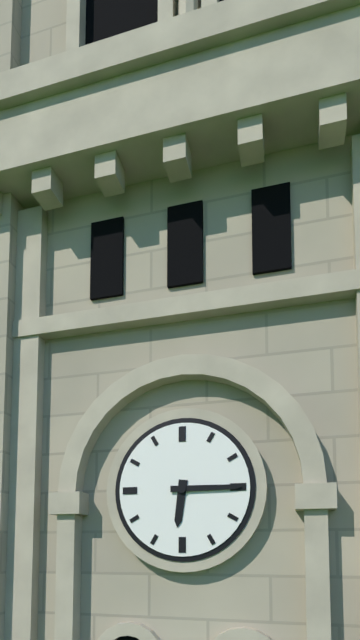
6:15
